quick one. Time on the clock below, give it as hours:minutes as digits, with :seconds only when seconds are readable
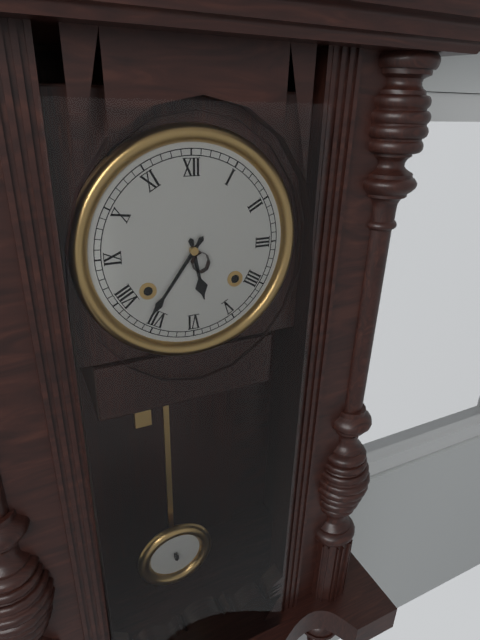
5:36
